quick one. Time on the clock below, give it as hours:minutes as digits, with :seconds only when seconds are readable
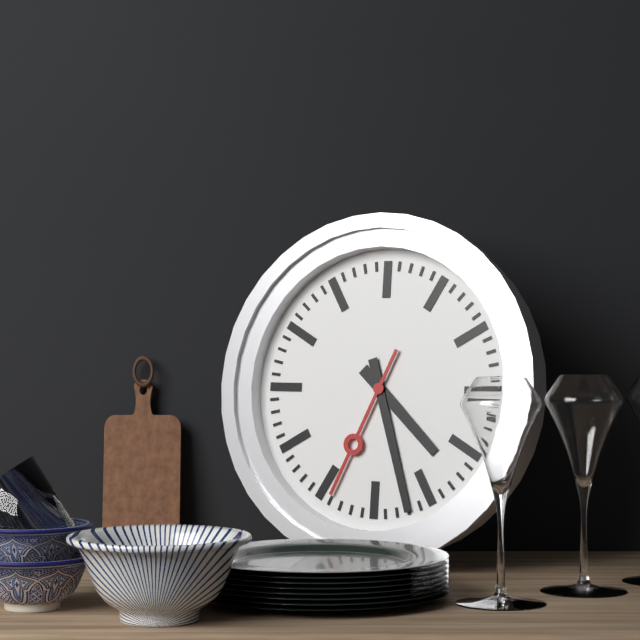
4:27:34
